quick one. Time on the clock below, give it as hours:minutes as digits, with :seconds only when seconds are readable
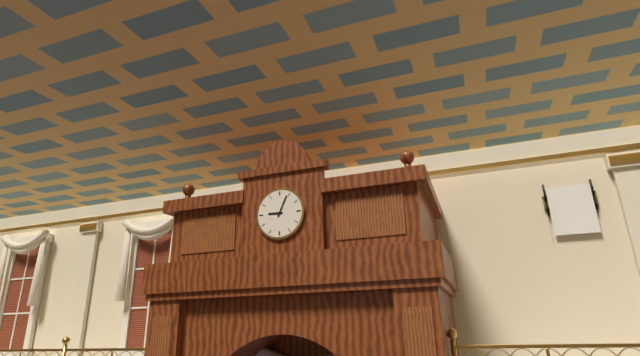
9:04
